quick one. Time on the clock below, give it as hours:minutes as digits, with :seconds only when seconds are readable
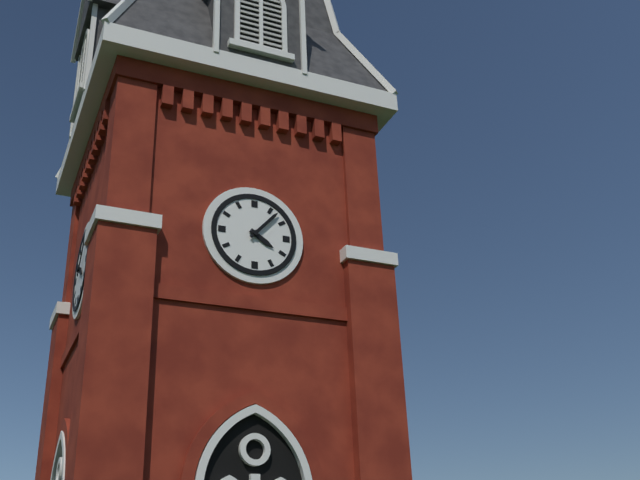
4:07
